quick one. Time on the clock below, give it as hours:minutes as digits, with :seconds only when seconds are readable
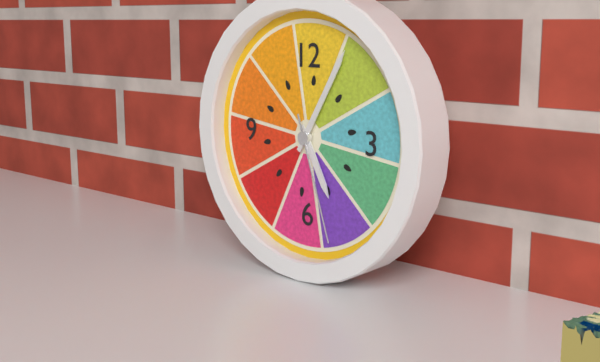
5:05:27
